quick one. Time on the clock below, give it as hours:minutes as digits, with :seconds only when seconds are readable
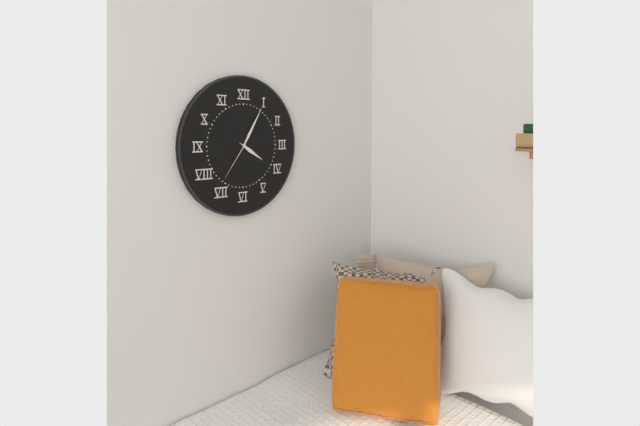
4:05:36
